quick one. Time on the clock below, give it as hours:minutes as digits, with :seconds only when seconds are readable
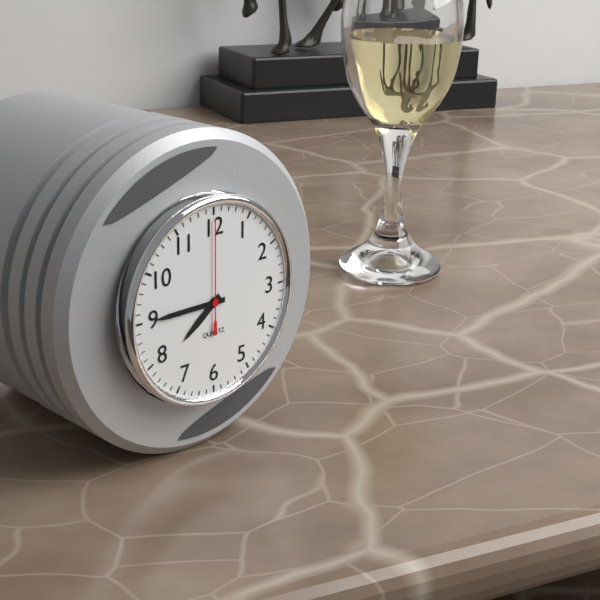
7:45:00
